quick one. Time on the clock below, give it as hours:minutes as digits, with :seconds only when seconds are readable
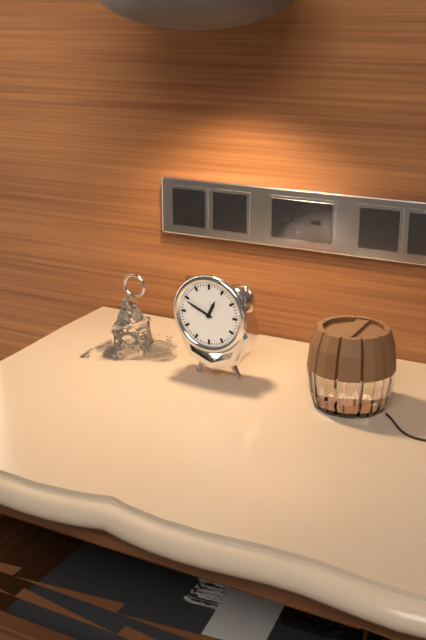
12:49
